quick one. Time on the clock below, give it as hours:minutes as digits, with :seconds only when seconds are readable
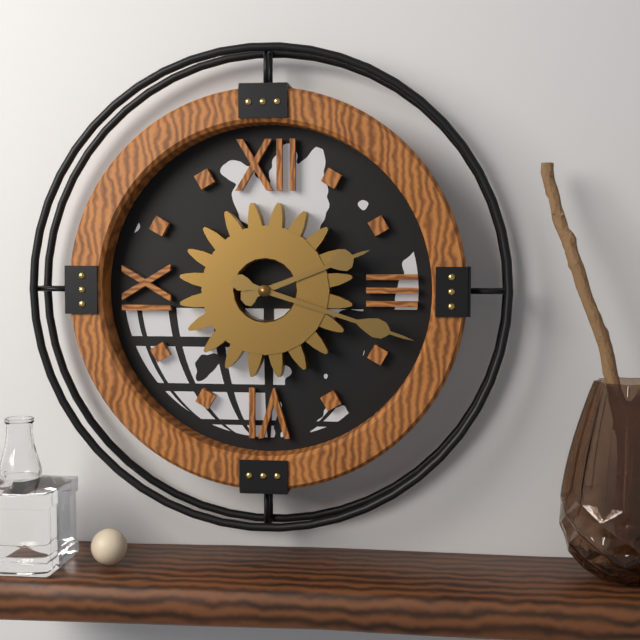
2:18
